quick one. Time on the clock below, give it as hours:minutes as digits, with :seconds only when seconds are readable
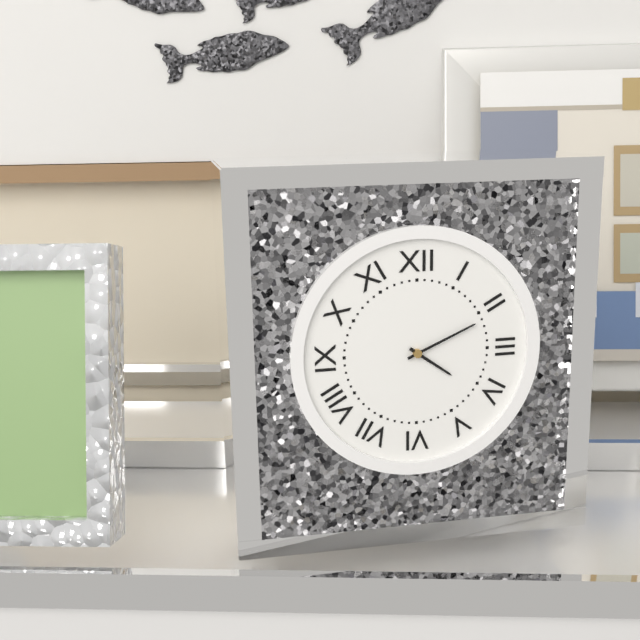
4:11
